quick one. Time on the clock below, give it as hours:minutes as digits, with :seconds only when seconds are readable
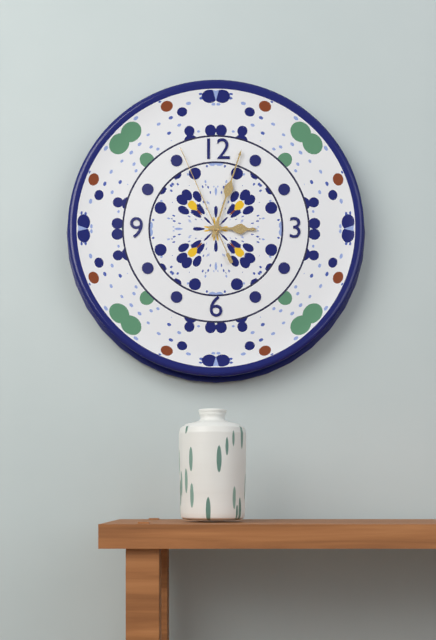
3:03:56
